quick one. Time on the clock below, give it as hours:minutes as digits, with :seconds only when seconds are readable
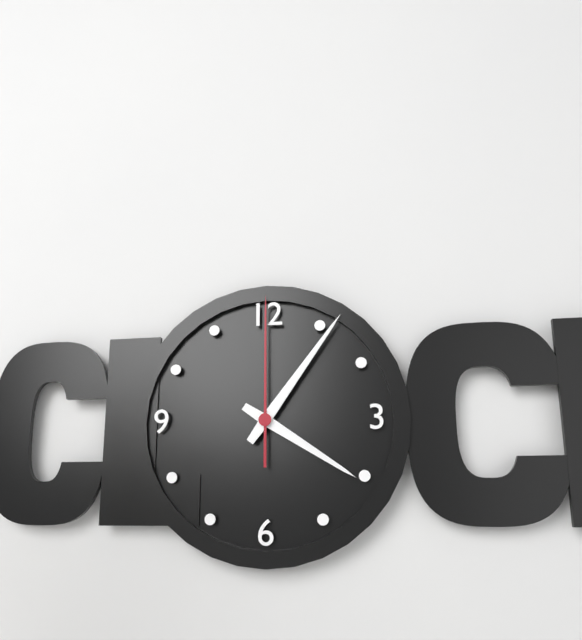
4:06:00
